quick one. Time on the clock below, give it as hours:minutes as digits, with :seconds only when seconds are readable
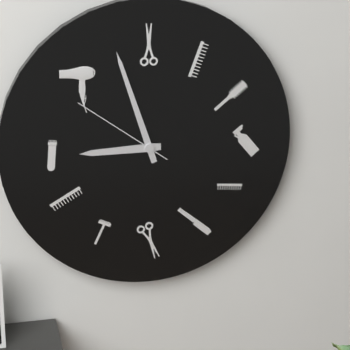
8:57:51
